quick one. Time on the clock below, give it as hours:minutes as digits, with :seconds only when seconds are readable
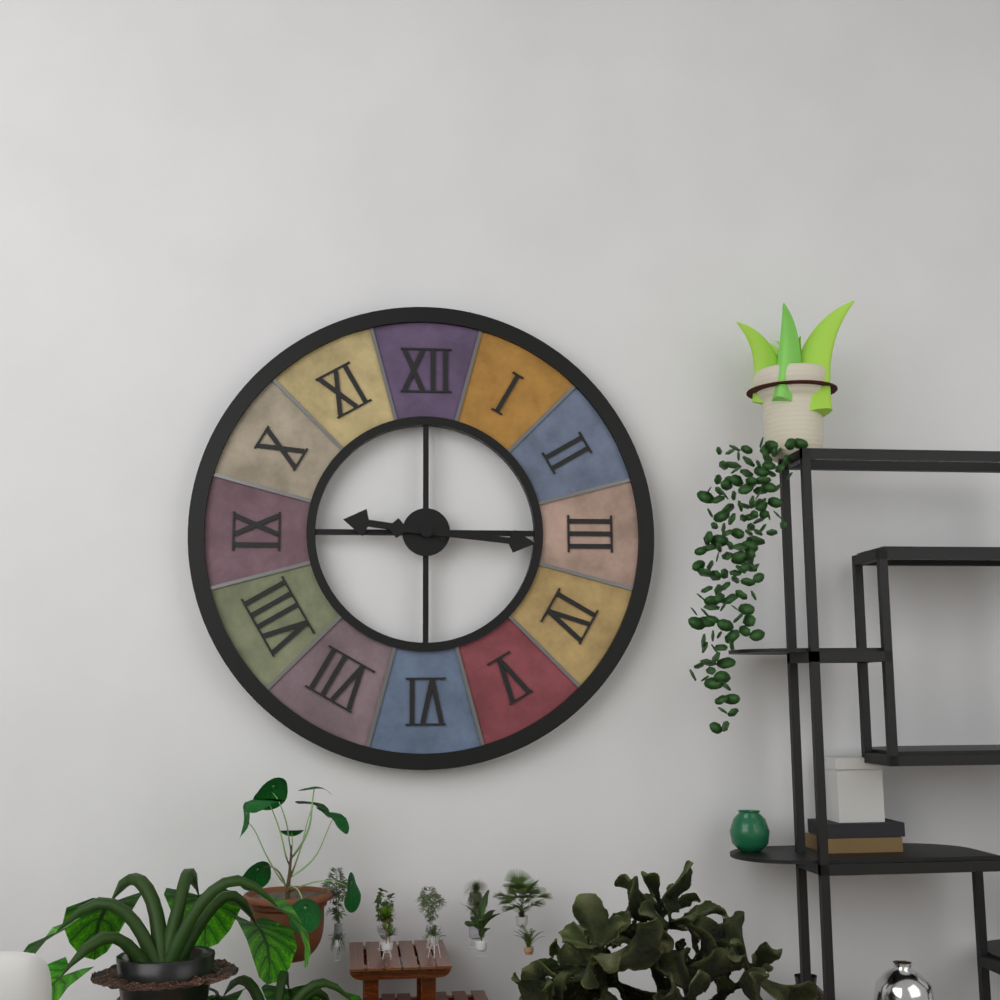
9:16
